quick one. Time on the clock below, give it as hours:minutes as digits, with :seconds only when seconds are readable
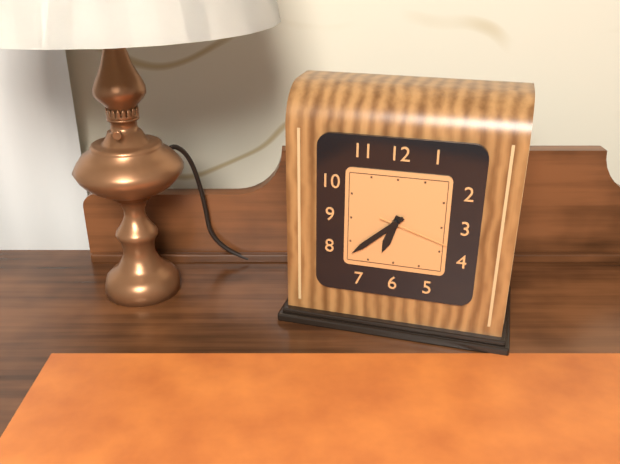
6:38:18
